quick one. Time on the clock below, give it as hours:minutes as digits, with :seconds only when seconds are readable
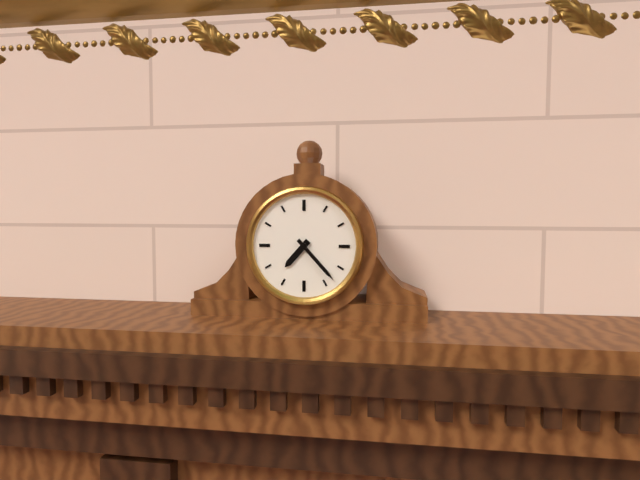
7:23
